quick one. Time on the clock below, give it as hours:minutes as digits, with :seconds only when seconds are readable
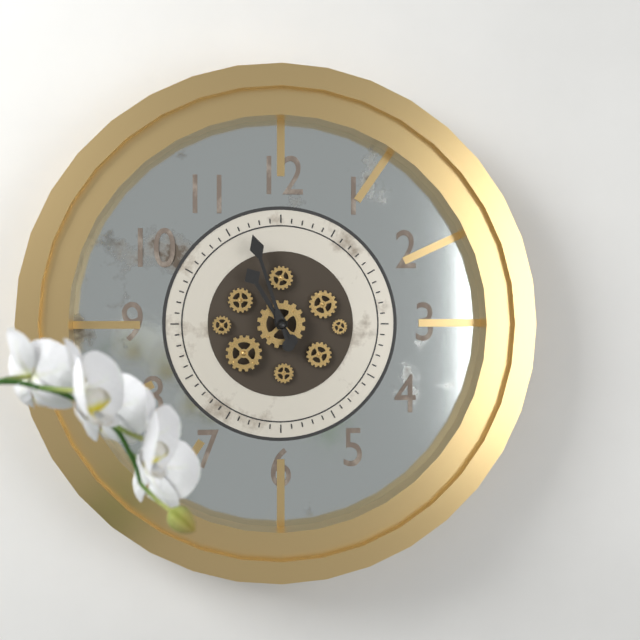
10:57
